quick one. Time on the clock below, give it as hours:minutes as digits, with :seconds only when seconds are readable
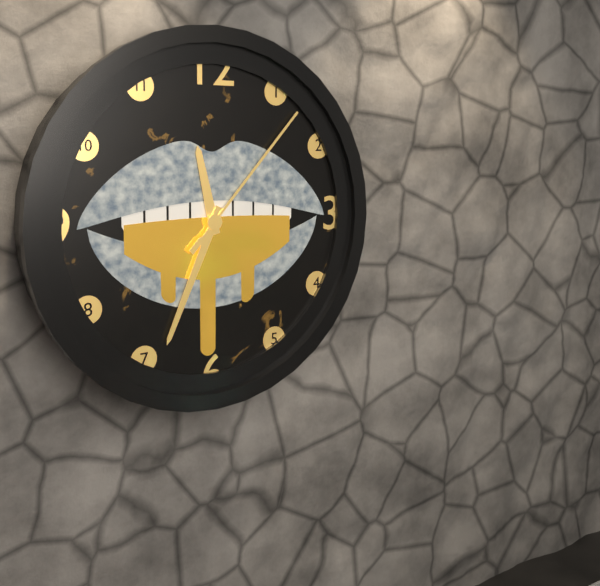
11:34:07
